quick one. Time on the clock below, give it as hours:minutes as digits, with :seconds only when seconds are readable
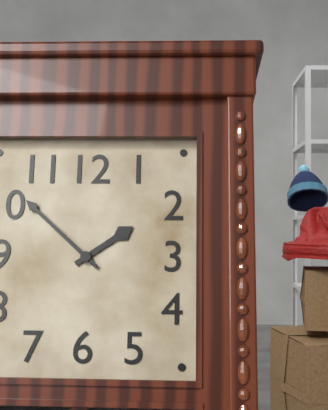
1:52
